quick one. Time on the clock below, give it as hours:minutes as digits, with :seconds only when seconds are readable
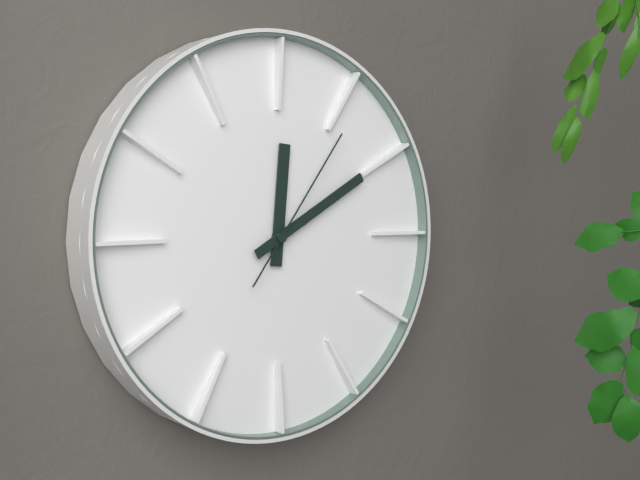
12:10:06
